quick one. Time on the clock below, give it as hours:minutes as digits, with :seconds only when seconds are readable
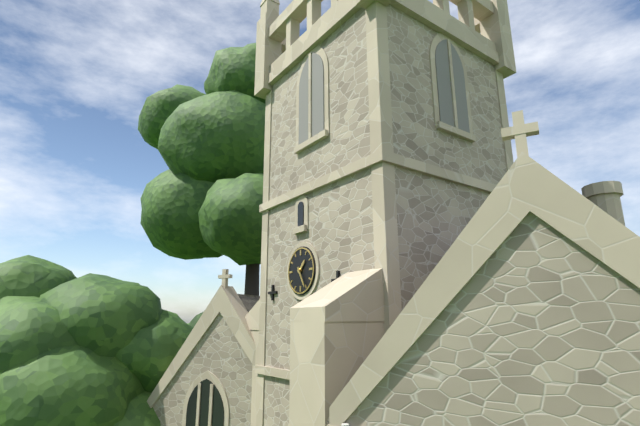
1:25
